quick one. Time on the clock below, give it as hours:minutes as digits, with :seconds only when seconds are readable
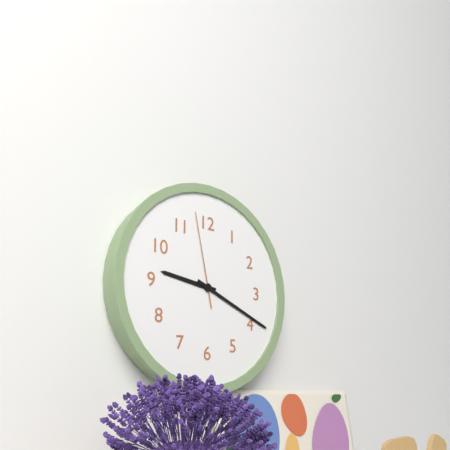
9:19:58
